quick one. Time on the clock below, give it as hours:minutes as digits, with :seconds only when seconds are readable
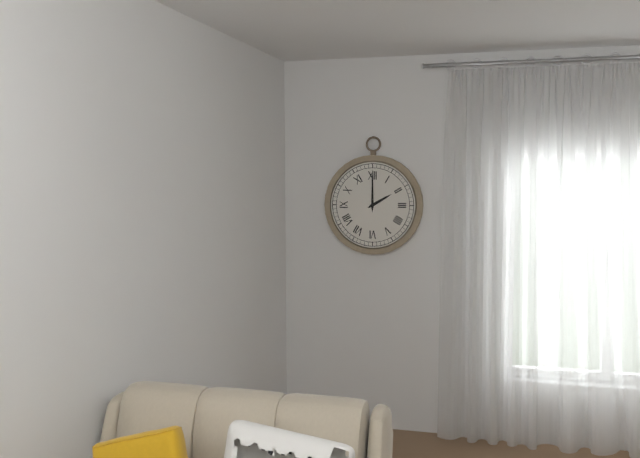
2:00
